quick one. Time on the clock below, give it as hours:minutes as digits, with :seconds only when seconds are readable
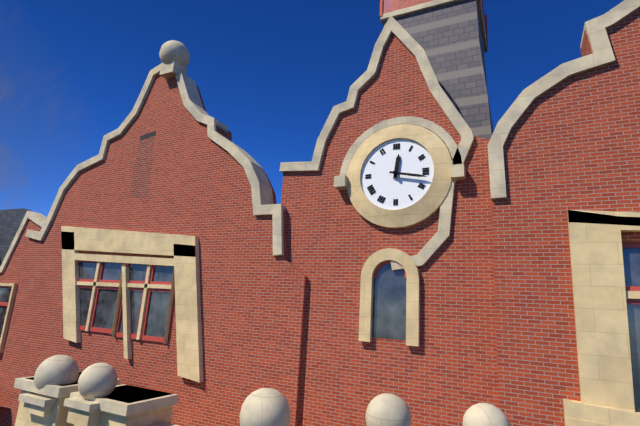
12:17
